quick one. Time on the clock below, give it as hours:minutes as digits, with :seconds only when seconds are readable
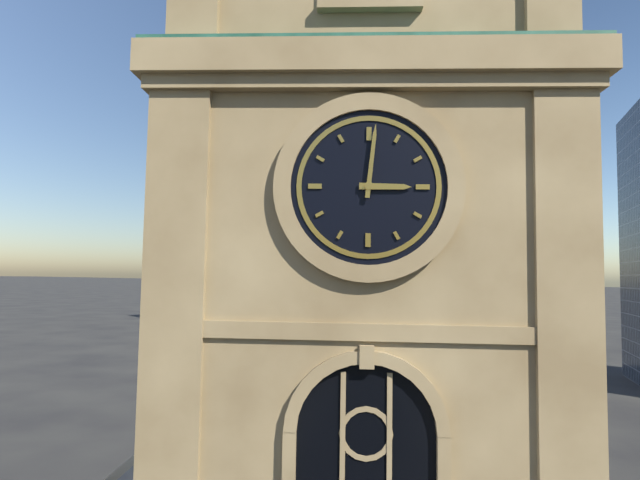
3:01
